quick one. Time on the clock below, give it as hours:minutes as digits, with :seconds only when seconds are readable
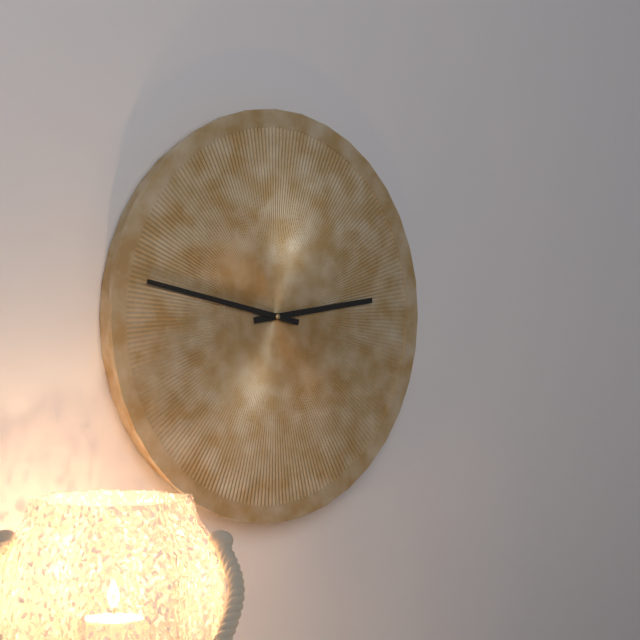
2:47
